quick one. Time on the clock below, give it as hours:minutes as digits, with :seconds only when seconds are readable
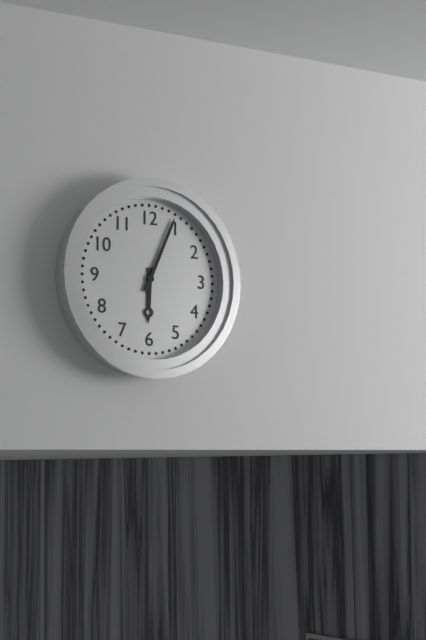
6:04
